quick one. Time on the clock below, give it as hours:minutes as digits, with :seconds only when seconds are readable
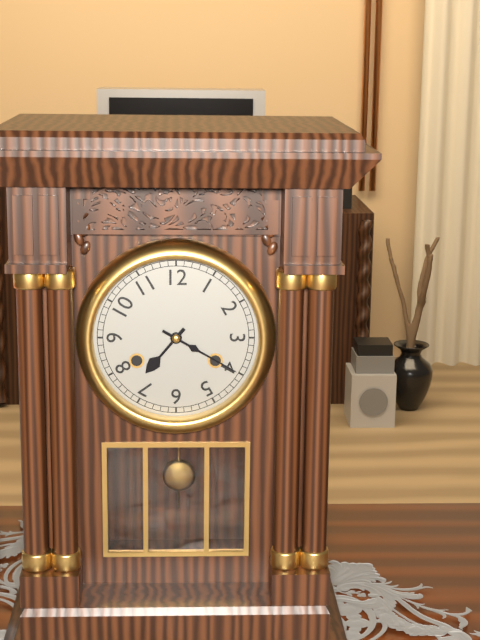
7:20
